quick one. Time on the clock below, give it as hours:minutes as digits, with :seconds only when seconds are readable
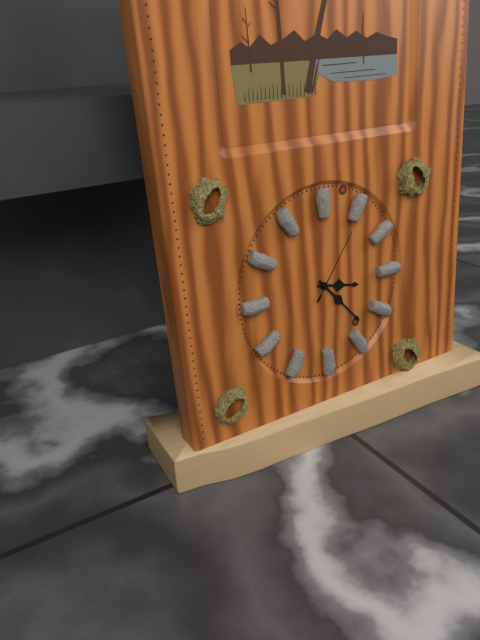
3:23:06
